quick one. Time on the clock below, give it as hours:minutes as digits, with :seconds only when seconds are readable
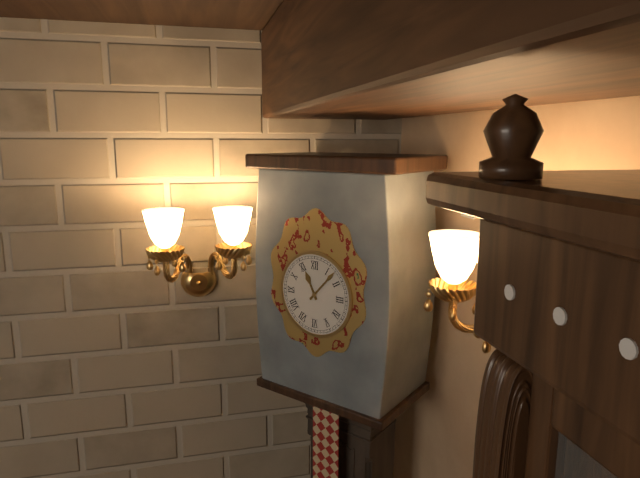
11:07
